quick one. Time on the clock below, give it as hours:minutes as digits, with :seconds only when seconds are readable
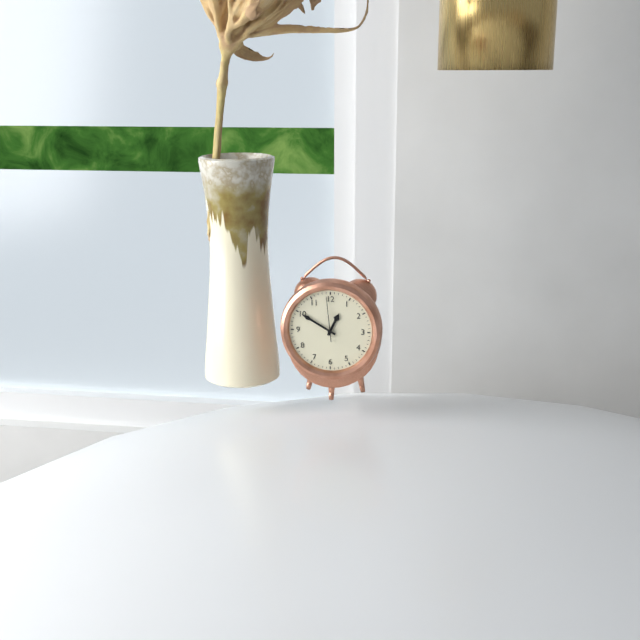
12:50
